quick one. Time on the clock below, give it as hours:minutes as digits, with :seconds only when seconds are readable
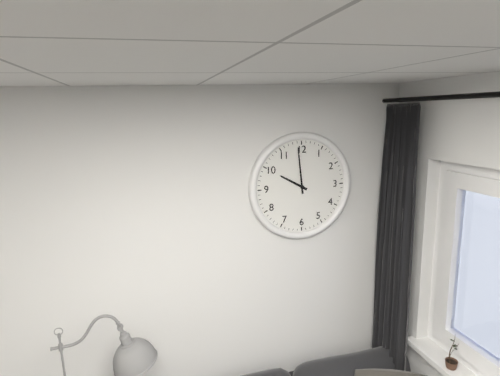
9:59
